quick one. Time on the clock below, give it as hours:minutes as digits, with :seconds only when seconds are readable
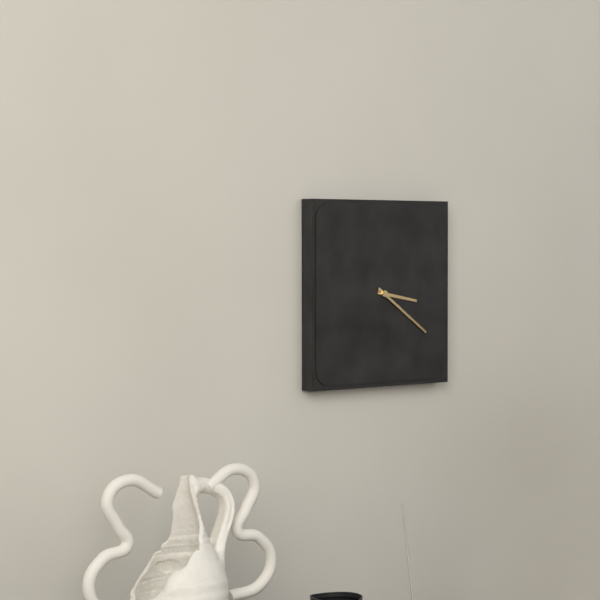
3:21
